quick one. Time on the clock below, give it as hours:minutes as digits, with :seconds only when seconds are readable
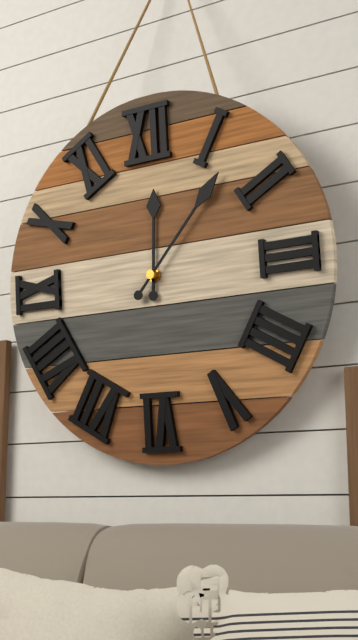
12:07
